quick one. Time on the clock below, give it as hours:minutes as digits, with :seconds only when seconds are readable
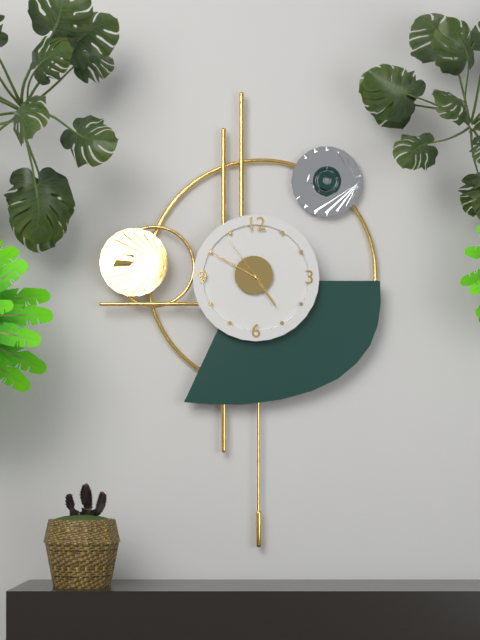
4:50:54
